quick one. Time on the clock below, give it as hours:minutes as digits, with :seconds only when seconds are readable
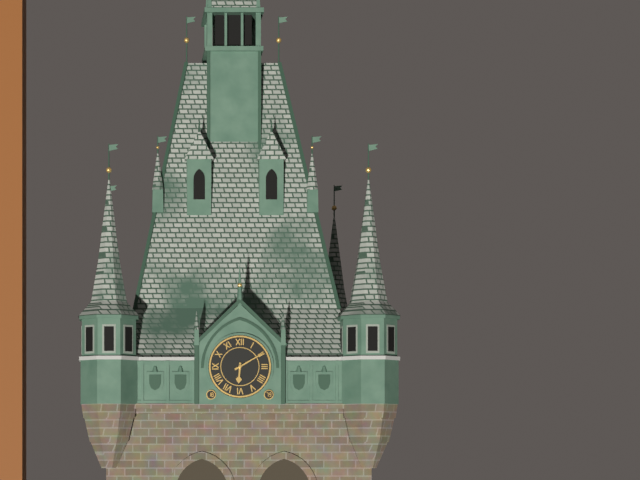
6:10
